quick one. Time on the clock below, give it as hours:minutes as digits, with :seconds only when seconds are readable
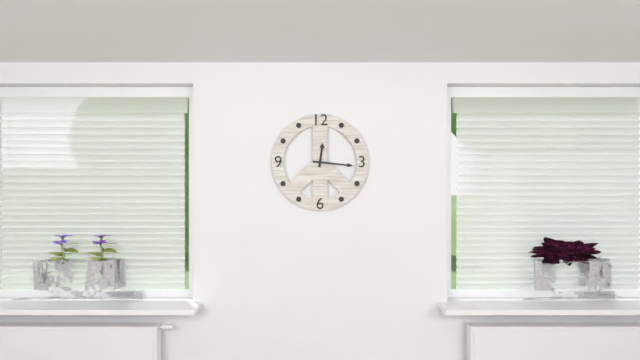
12:16
